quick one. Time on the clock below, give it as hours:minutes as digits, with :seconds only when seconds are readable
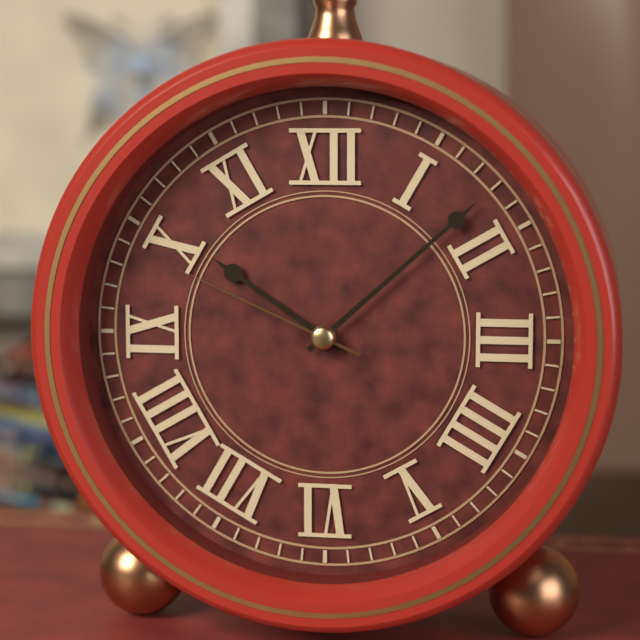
10:08:49
